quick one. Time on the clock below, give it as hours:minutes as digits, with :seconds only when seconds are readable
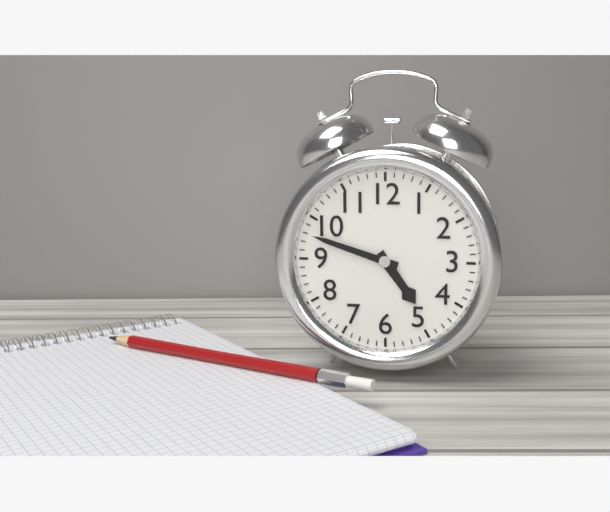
4:48
